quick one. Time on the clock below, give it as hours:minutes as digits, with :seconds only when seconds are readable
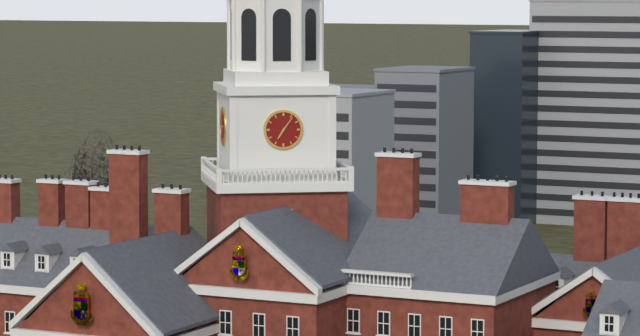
7:06
